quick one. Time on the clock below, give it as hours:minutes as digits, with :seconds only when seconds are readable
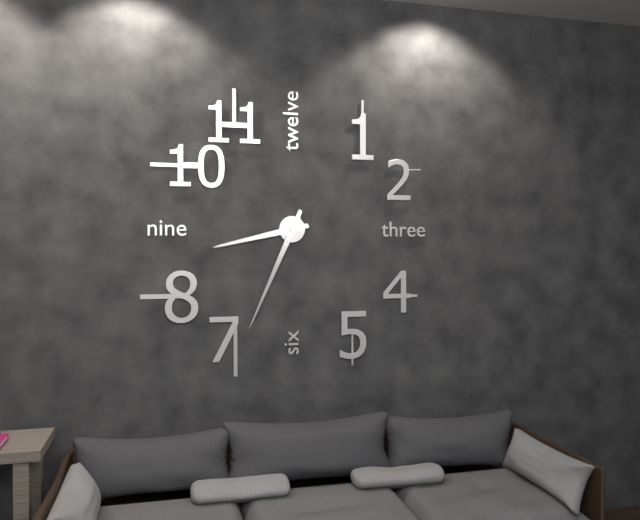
8:34
